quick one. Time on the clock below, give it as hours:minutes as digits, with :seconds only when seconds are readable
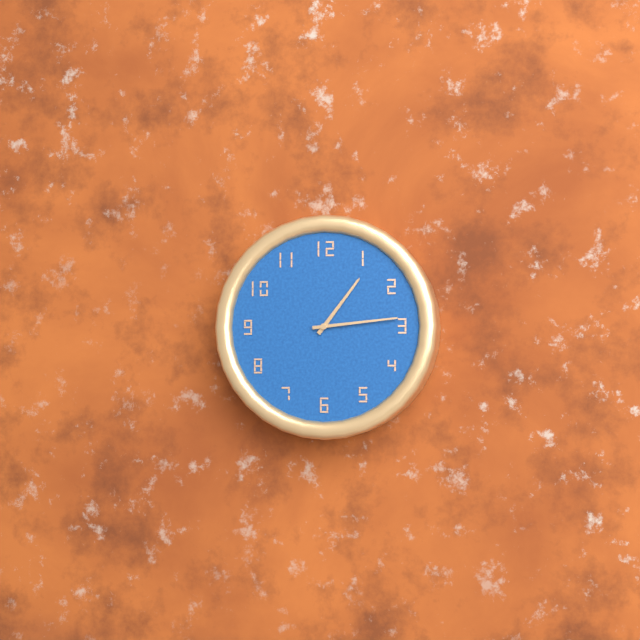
1:14
